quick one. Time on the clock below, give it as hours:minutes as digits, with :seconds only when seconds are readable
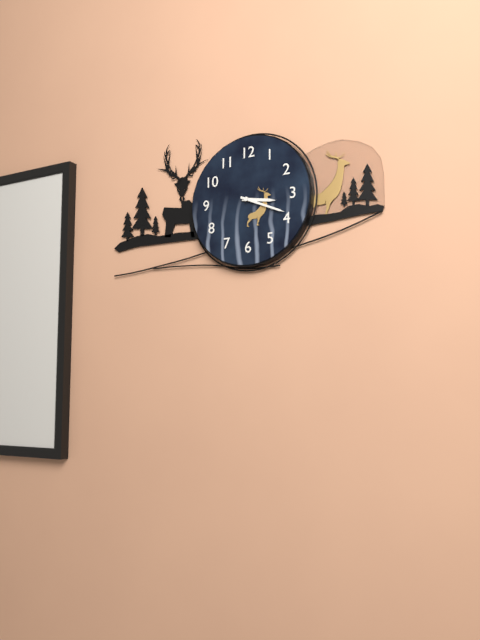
3:19
